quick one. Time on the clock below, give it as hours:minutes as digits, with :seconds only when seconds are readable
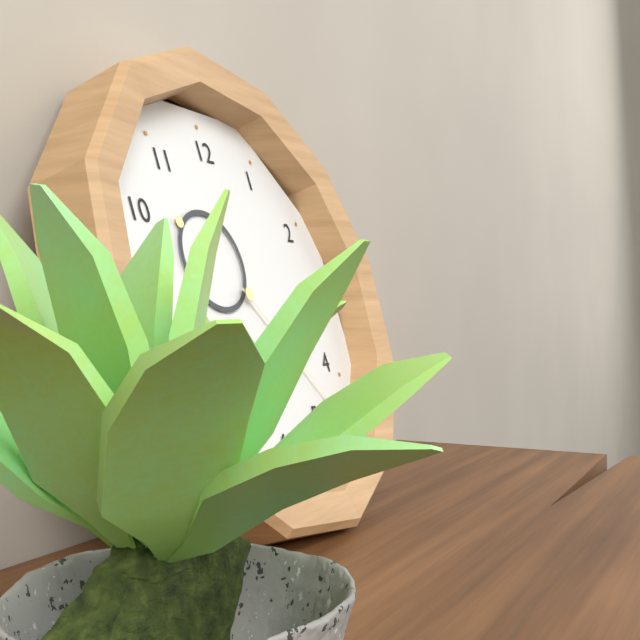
10:23
